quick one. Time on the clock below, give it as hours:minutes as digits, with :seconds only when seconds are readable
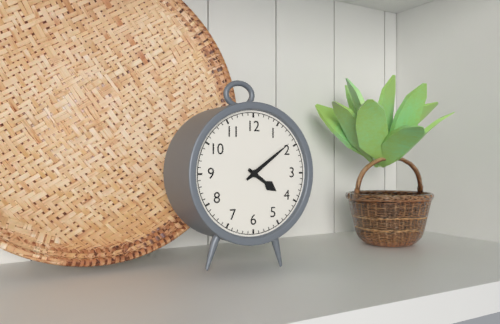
4:09
